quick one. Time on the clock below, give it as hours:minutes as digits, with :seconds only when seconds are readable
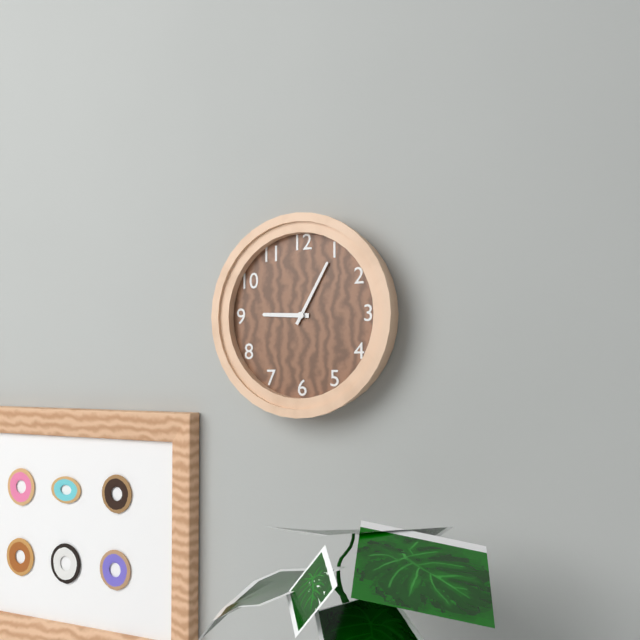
9:05
